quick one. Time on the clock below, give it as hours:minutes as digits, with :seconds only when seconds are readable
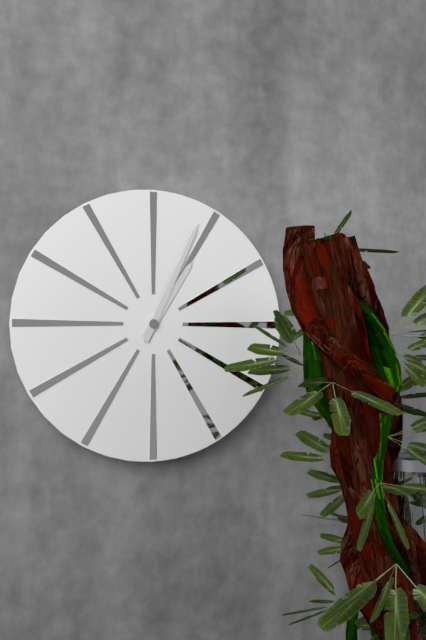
1:04
